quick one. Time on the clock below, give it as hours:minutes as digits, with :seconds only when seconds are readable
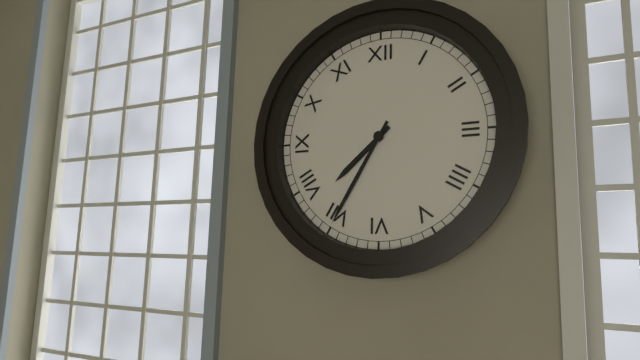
7:35
